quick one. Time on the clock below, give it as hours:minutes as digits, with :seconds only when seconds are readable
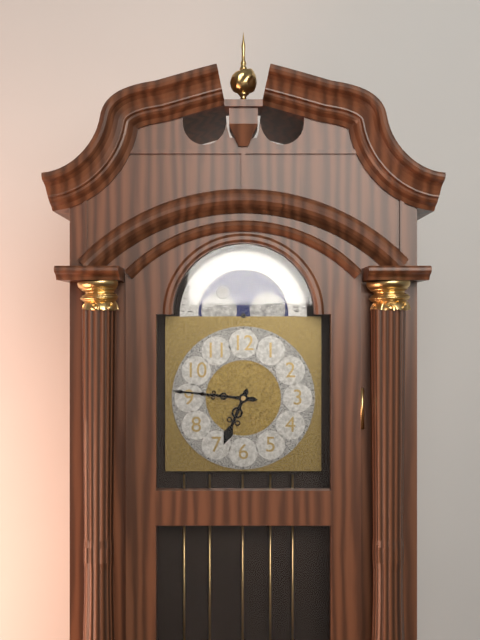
6:46
